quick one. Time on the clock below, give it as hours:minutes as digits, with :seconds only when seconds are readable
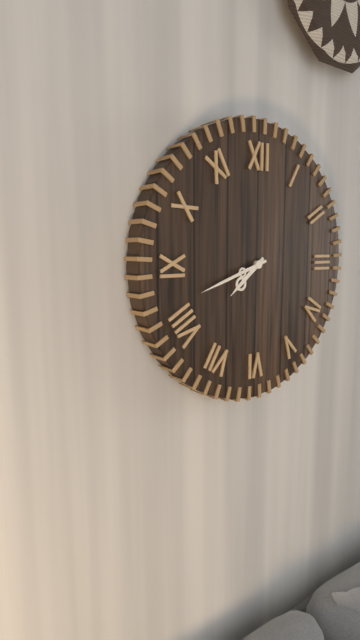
7:42
